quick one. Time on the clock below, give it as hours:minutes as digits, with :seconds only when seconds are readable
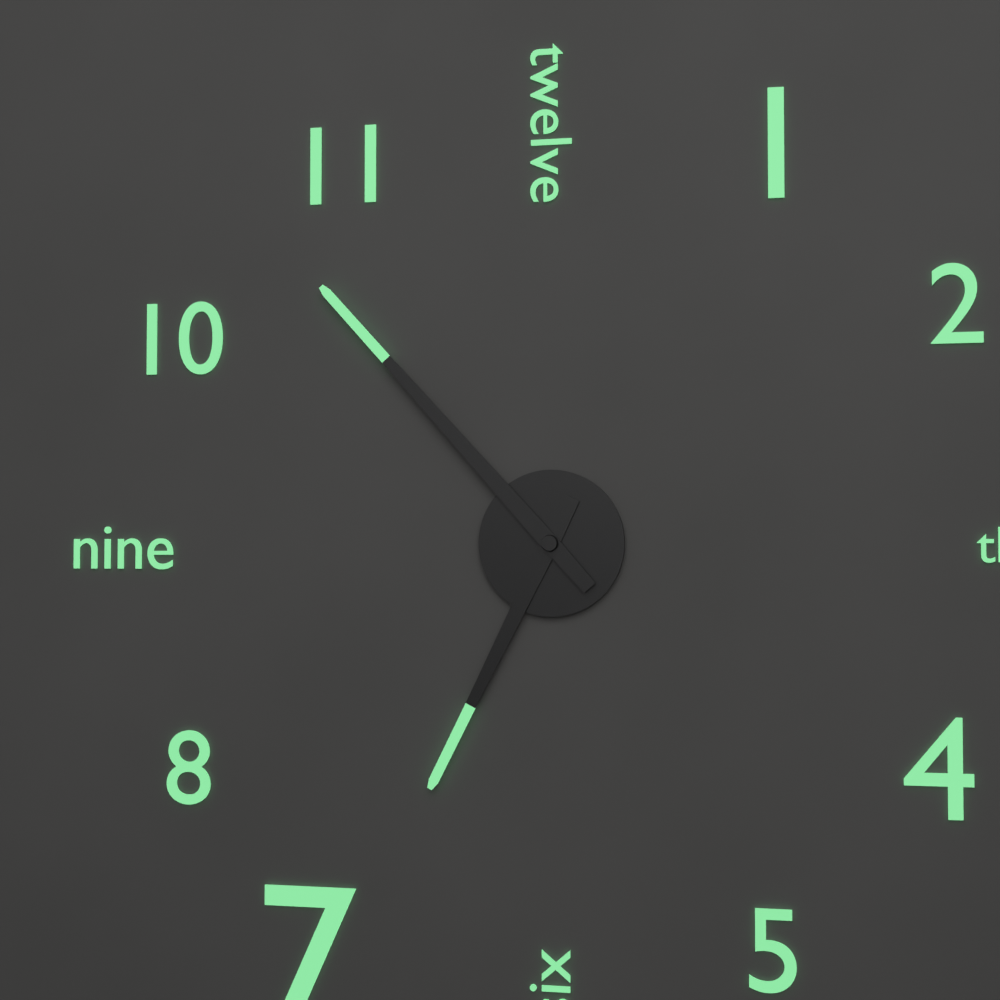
6:53
